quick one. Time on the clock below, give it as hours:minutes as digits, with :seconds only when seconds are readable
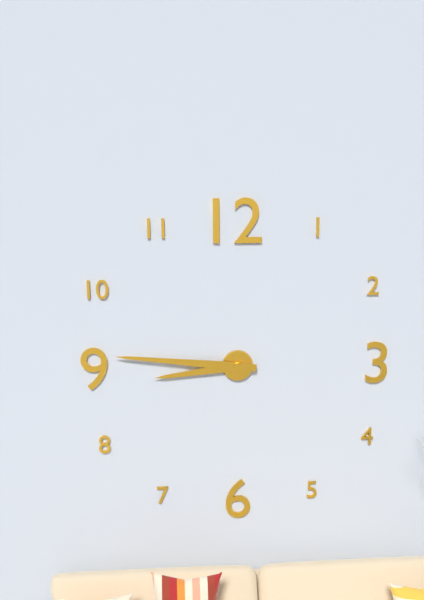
8:46
